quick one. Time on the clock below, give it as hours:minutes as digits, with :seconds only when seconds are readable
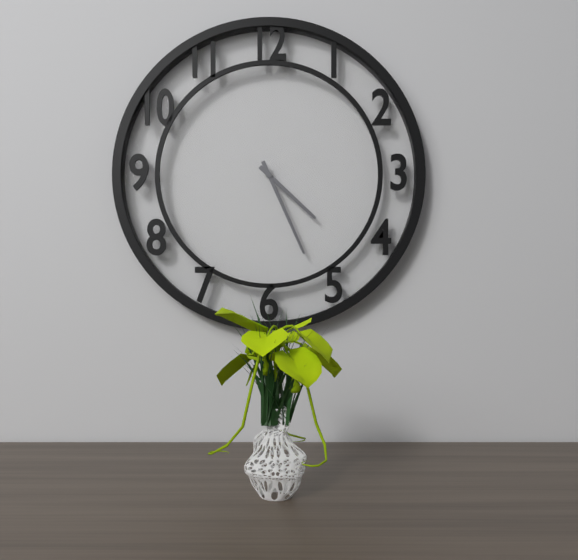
4:26
